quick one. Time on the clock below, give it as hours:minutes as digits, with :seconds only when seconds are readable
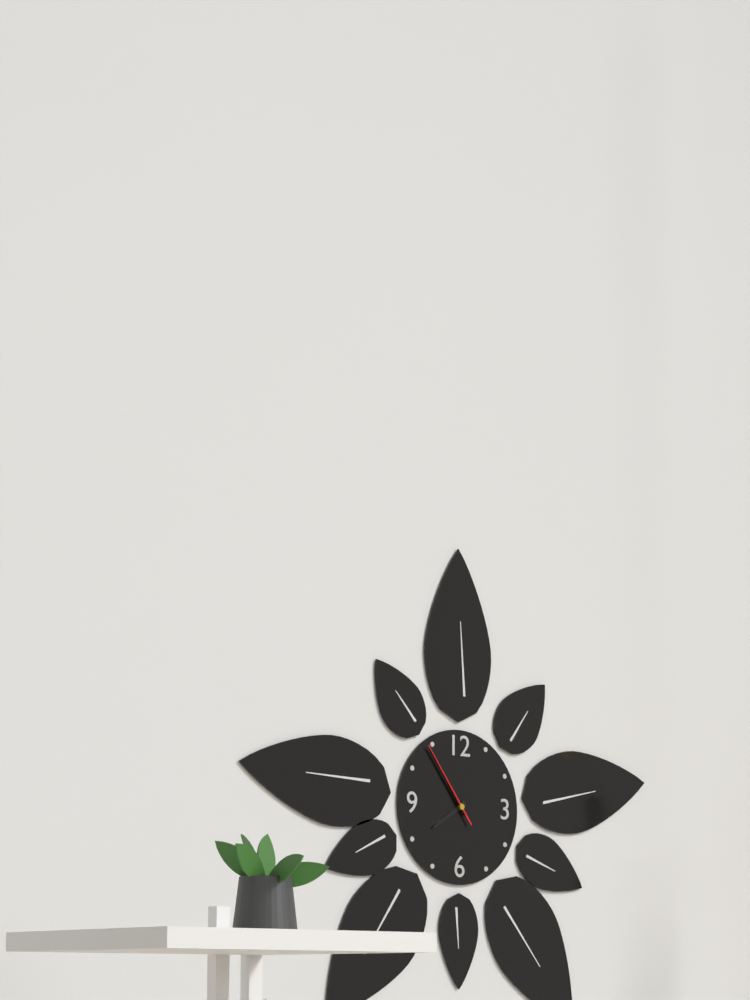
7:54:54
